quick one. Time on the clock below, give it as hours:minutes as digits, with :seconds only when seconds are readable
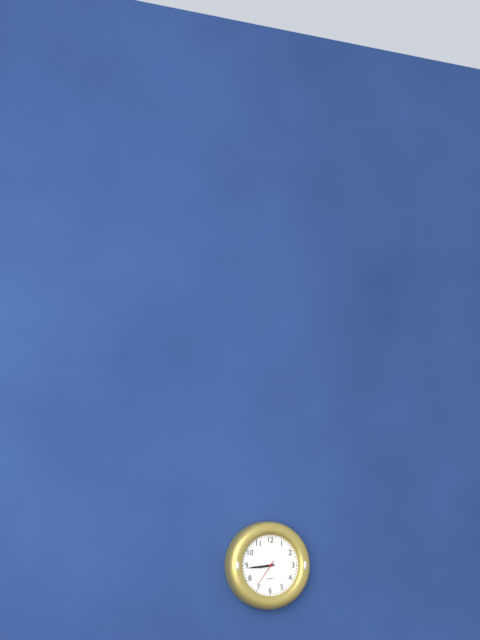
8:44
